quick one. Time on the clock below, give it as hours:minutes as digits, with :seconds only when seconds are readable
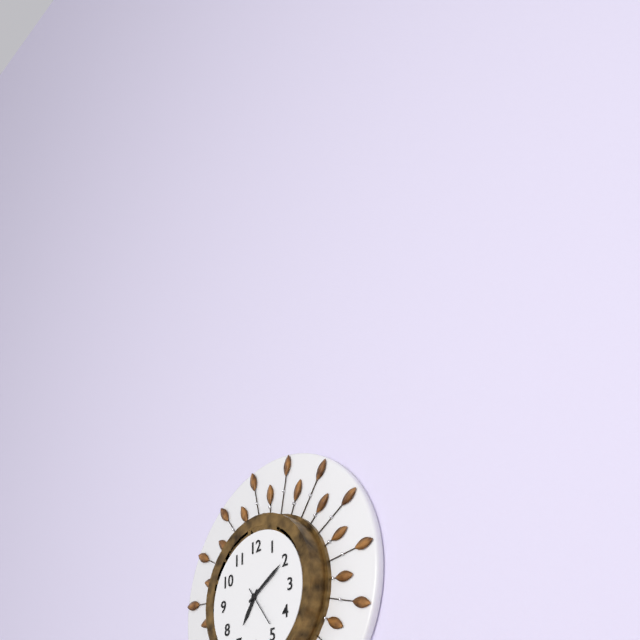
7:10
